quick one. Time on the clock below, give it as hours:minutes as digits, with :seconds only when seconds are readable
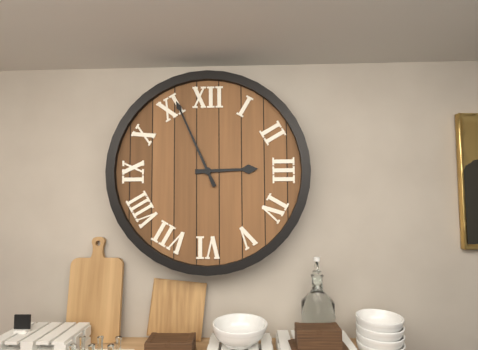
2:56
